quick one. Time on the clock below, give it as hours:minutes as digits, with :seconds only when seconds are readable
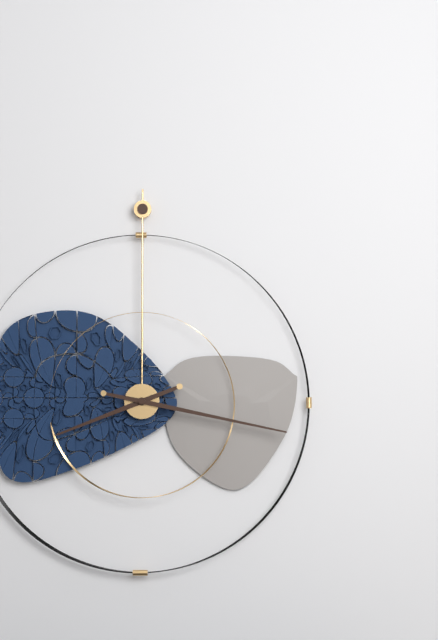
8:17
